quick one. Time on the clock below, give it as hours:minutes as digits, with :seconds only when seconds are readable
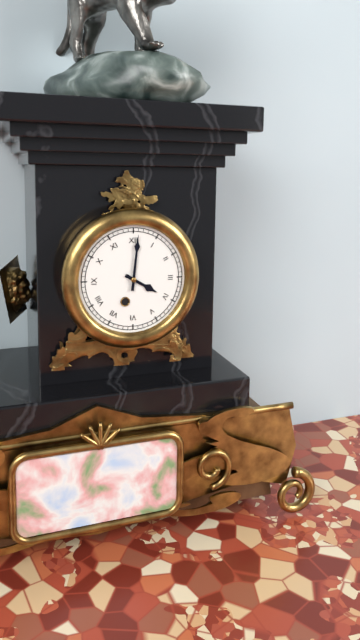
4:01
